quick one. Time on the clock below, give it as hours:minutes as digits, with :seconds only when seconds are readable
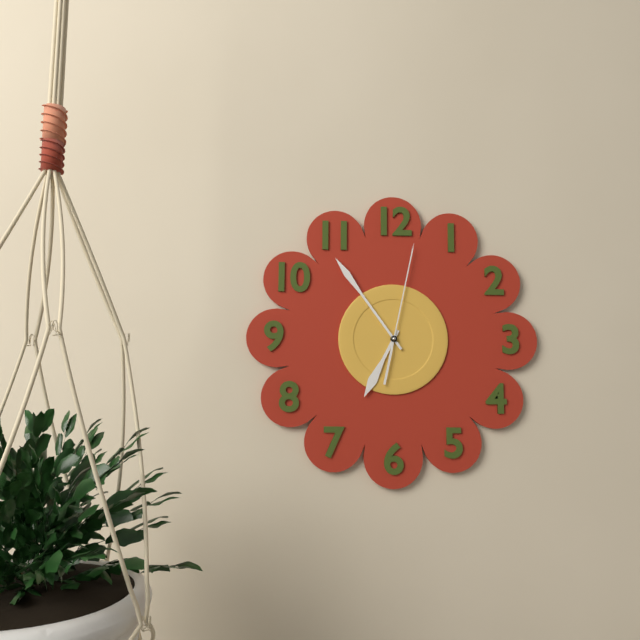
6:54:02
